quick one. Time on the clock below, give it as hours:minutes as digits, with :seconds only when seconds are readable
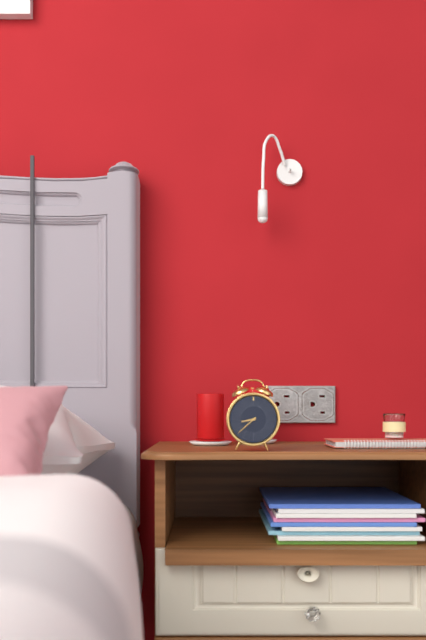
8:38
